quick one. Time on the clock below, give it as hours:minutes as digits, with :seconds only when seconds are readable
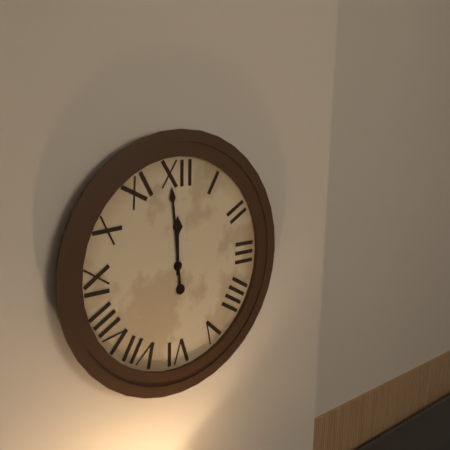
11:59
